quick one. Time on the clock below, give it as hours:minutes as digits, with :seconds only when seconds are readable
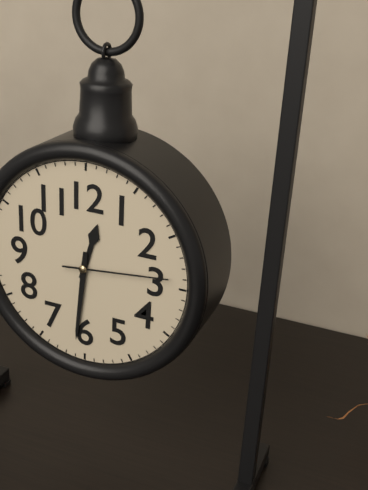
12:31:14
